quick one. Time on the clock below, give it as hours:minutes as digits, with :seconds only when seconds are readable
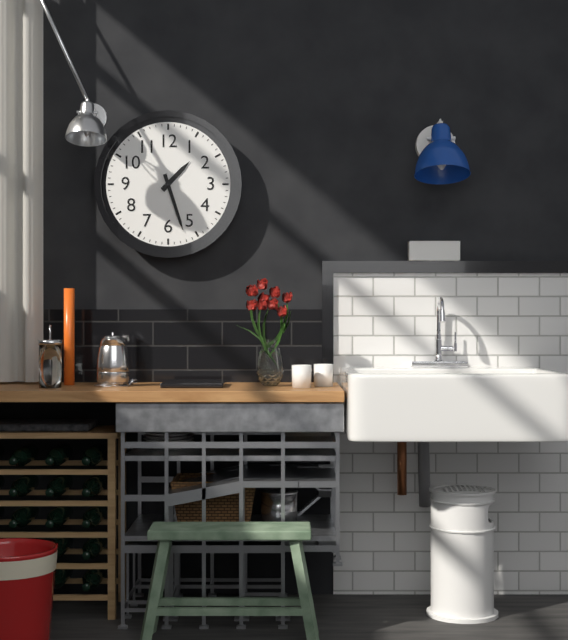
1:27
